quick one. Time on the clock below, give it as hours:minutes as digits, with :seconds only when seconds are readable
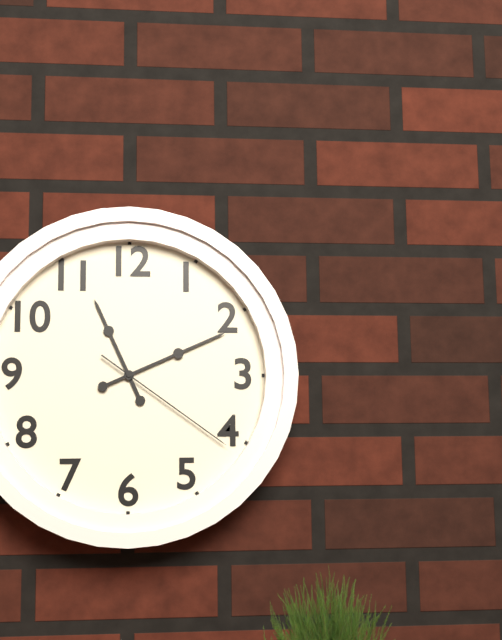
11:11:21
